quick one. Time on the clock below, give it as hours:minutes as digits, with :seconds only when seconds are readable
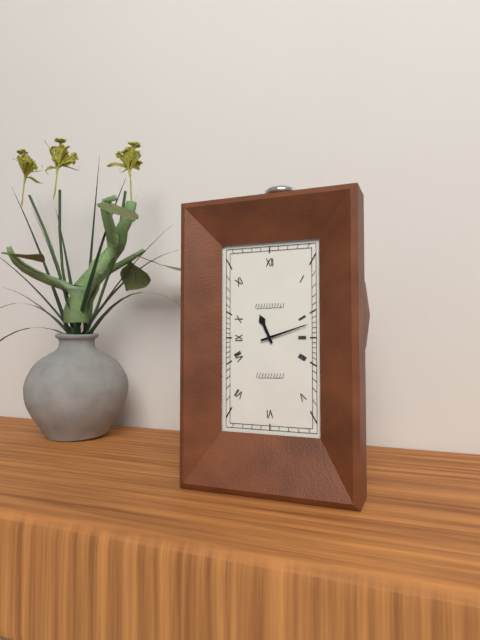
11:12
